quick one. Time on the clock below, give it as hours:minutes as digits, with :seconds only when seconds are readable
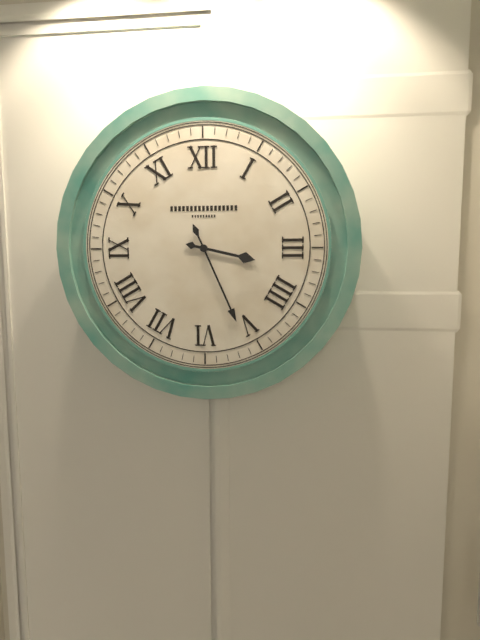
3:26
